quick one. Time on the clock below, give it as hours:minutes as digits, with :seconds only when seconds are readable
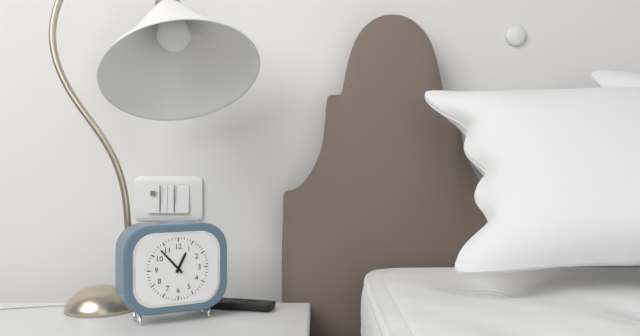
12:53
